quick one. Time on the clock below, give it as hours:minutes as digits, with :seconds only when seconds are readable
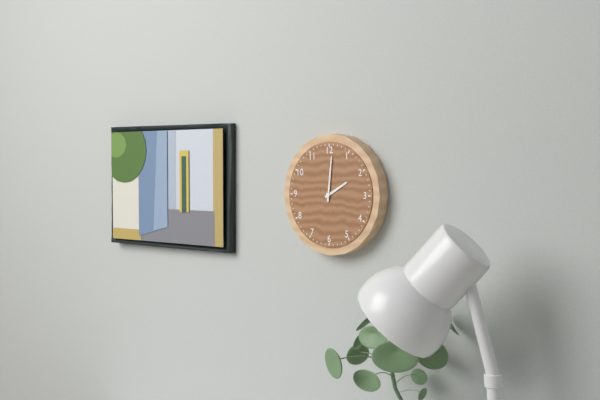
2:01
